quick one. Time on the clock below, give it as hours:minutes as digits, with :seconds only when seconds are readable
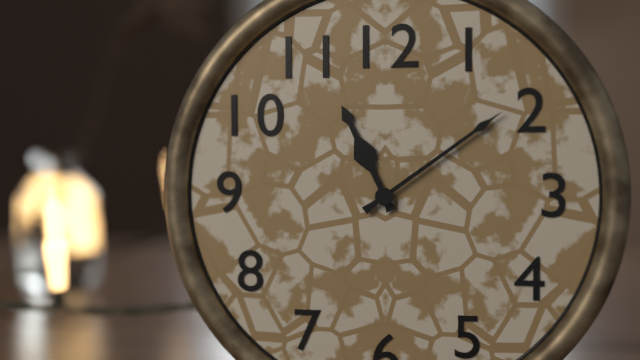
11:09
